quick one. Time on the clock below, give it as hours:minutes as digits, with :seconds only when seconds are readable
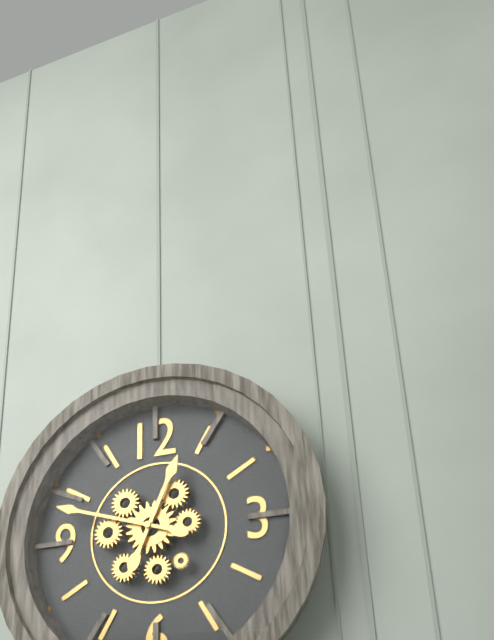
12:48
